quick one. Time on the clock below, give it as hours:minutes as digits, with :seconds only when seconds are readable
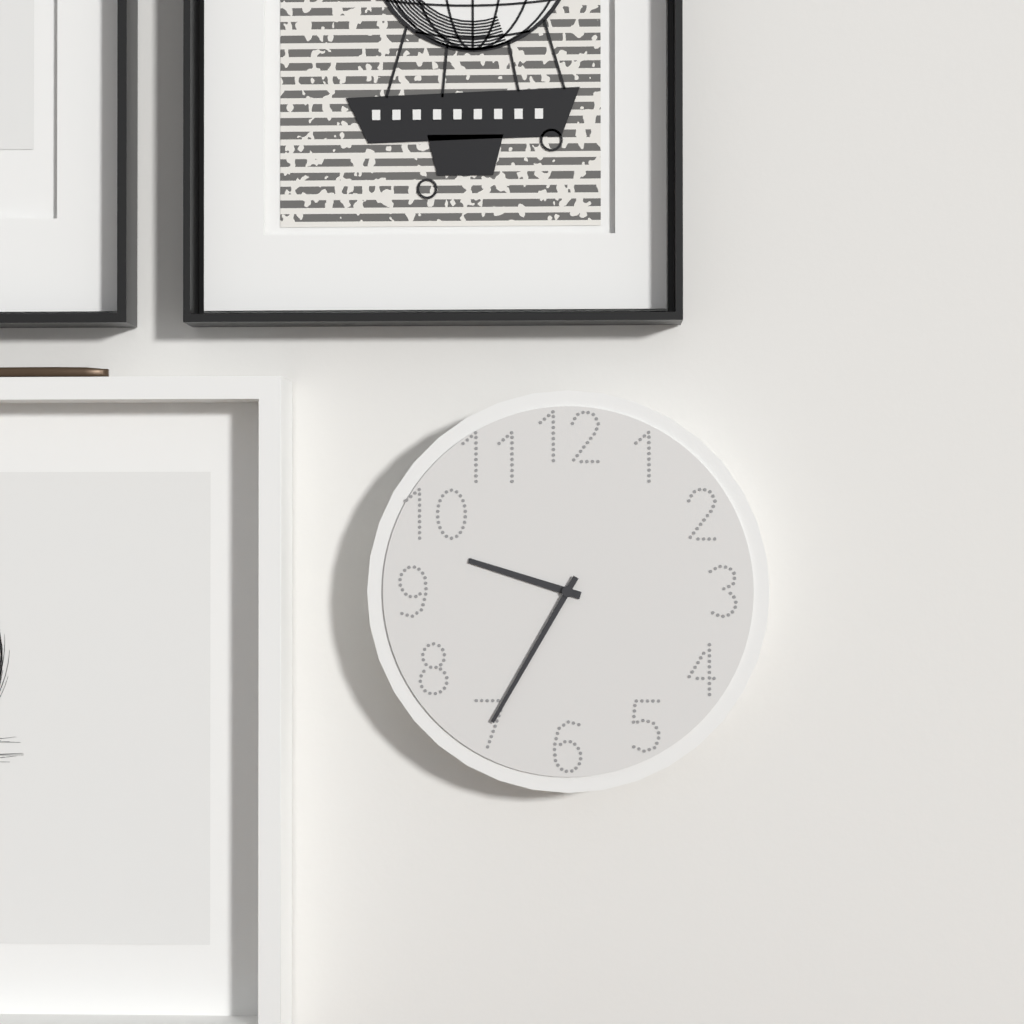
9:35
